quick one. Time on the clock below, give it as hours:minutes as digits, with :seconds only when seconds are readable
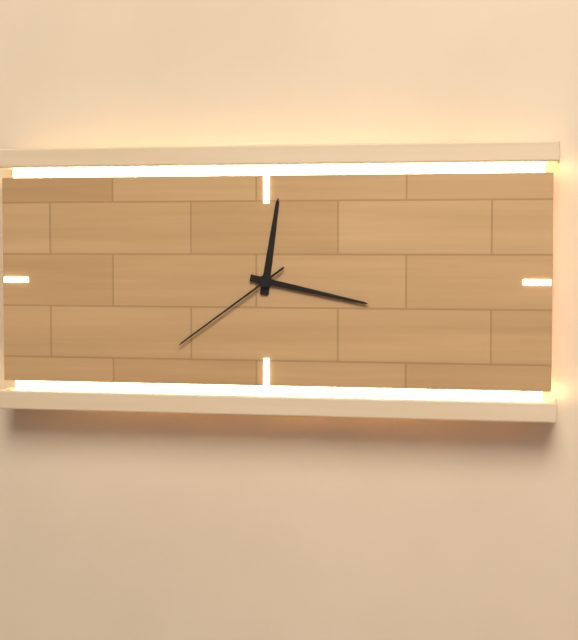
12:17:39
